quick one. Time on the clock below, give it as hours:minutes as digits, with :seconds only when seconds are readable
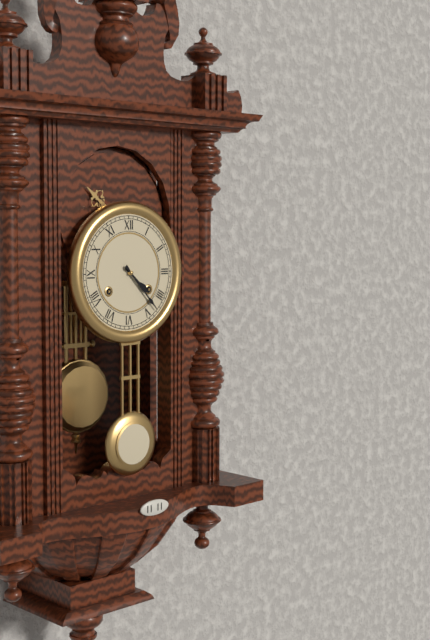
4:23
